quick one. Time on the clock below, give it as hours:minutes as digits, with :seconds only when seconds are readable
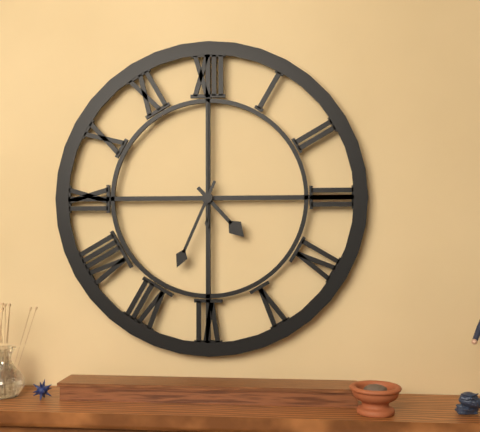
4:34:00
